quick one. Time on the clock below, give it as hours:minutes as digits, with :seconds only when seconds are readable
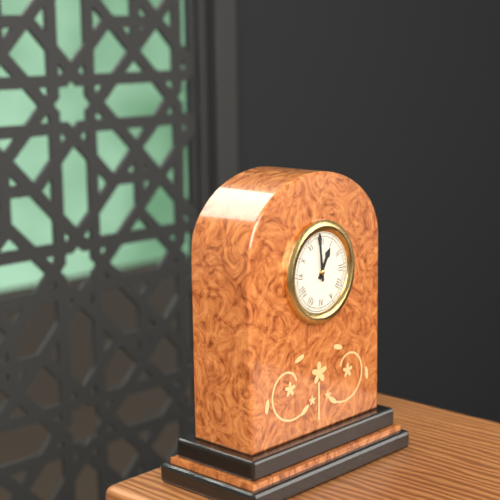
12:59
